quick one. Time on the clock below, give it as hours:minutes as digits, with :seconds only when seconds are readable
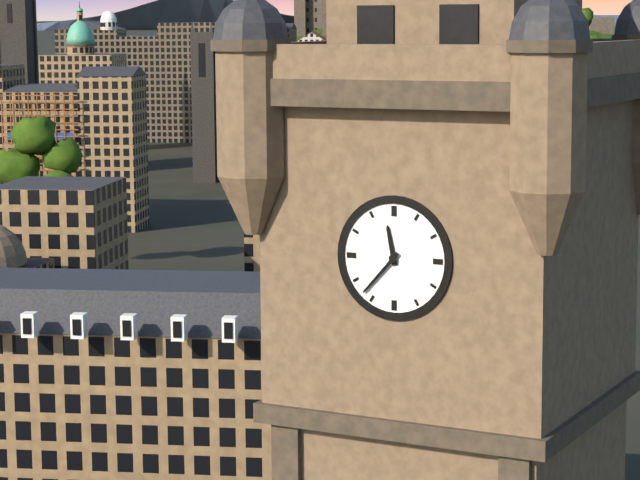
11:37
